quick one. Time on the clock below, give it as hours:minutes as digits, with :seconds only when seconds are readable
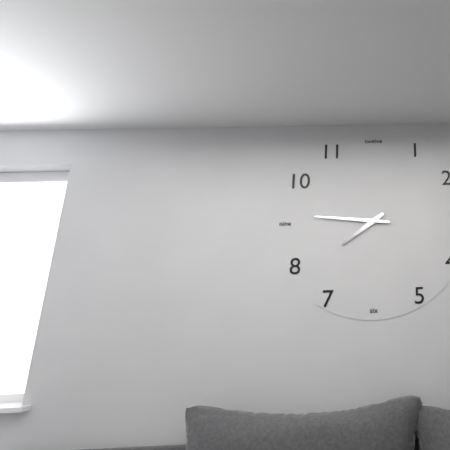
7:46
